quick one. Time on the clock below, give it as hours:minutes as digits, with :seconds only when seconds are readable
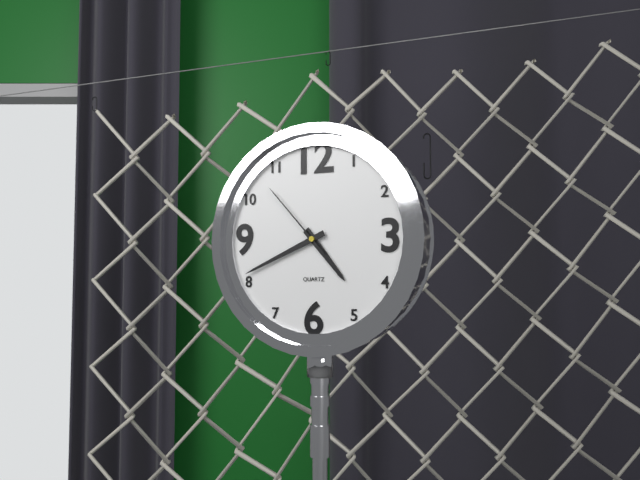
4:41:53
